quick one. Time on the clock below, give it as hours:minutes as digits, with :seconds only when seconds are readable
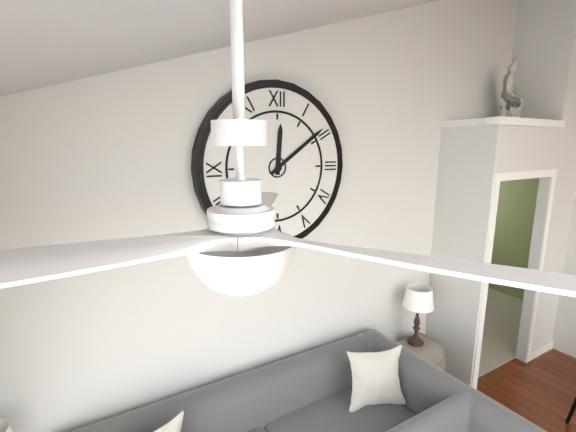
12:09
